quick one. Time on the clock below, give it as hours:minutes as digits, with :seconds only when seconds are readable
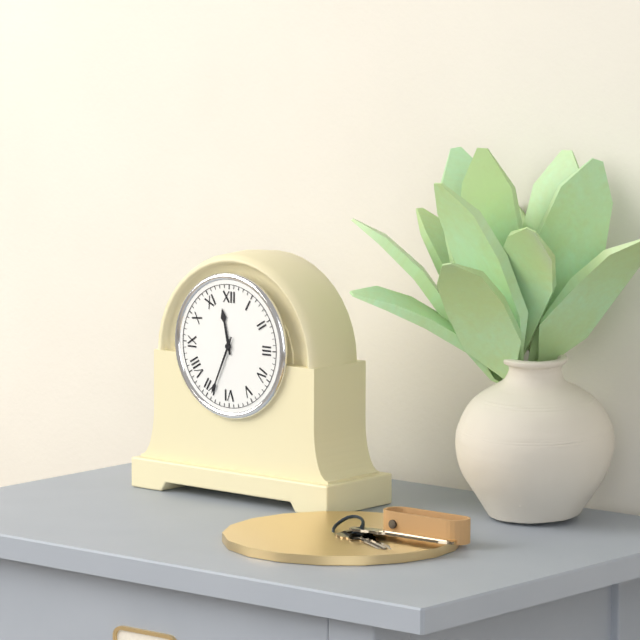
11:34
